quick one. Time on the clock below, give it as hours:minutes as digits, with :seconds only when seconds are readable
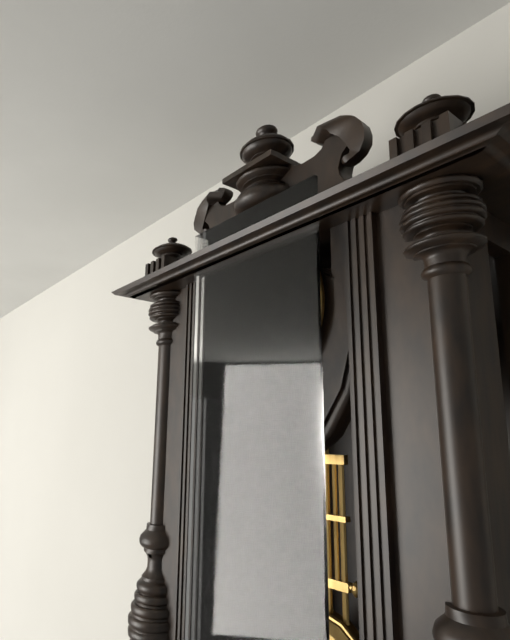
5:18
